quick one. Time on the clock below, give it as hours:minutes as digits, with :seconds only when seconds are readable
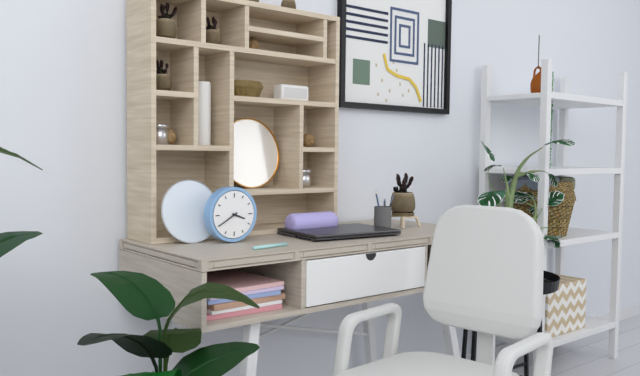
3:40
